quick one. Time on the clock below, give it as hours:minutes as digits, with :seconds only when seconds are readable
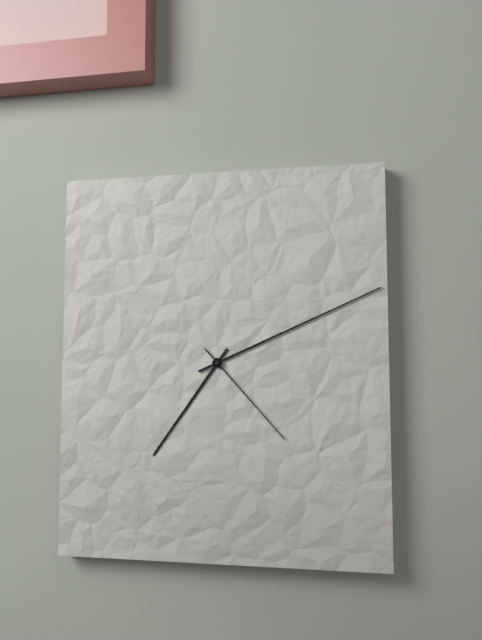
7:11:23
